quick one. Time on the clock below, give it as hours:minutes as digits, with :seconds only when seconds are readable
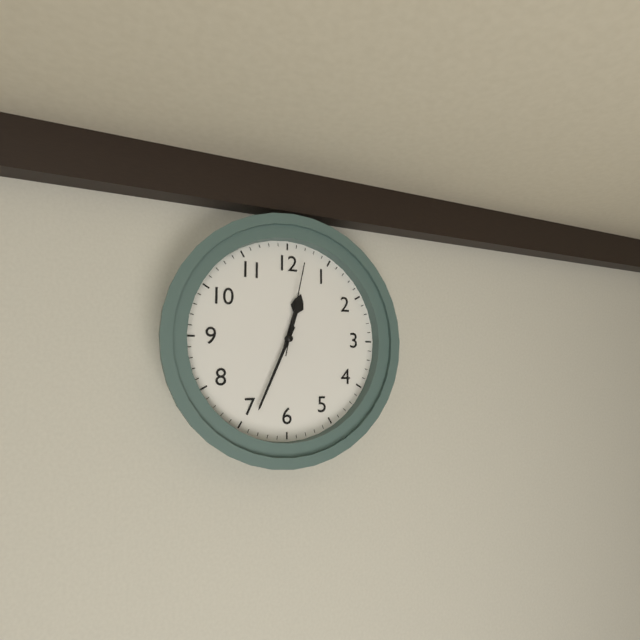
12:34:02
